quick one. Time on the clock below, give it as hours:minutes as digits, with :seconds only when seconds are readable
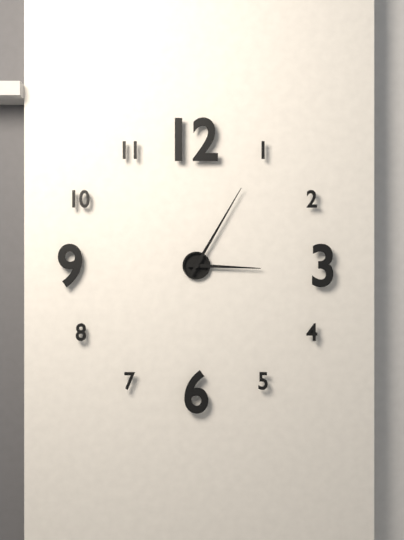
3:05
